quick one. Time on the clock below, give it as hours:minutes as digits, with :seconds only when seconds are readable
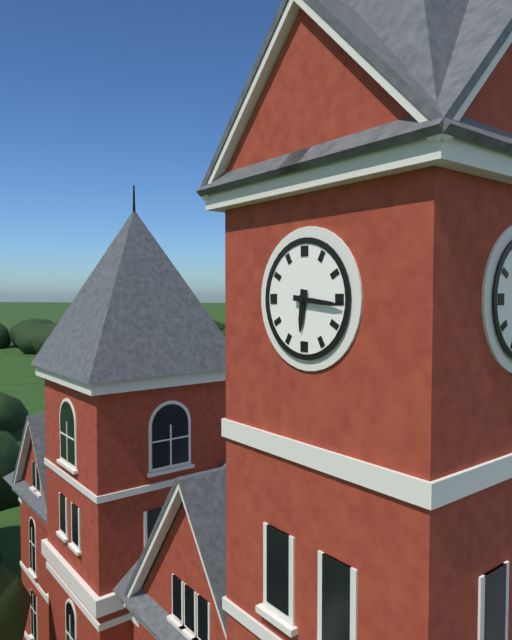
6:16
